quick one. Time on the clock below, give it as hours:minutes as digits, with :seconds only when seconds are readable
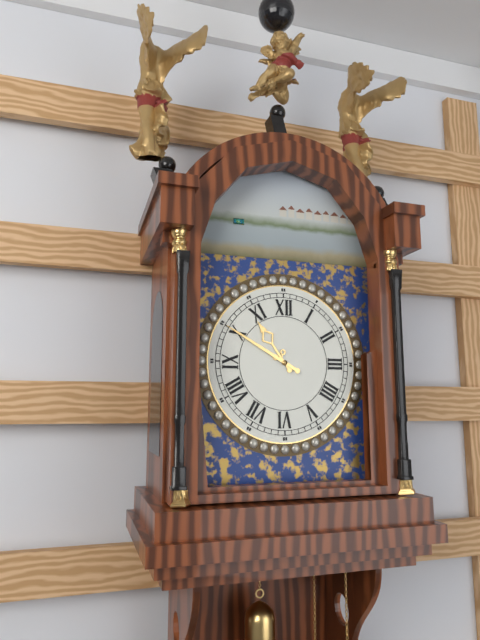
10:50
